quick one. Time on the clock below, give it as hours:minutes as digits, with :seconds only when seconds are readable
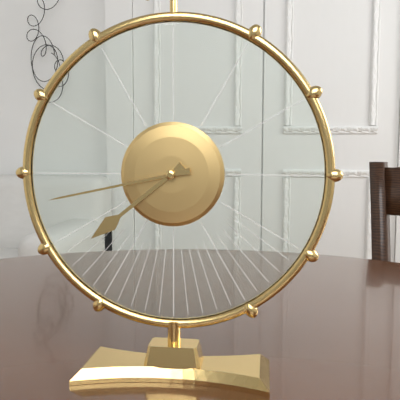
7:43
